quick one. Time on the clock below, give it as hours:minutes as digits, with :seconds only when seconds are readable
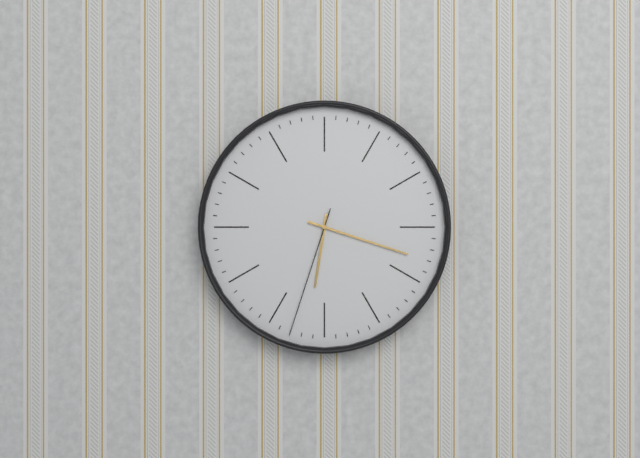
6:18:33
